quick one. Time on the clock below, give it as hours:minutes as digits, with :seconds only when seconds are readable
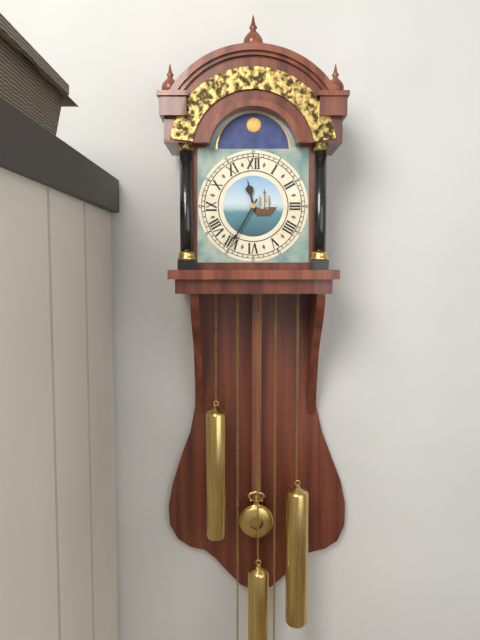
11:35
